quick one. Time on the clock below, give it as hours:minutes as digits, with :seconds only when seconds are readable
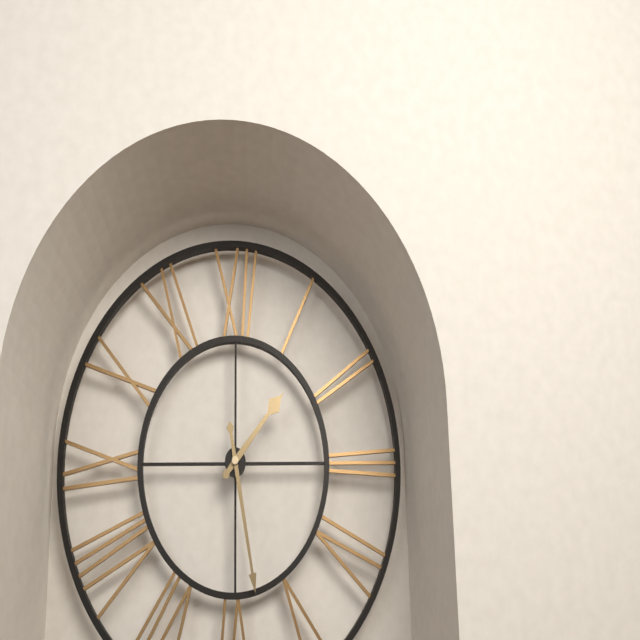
1:28
